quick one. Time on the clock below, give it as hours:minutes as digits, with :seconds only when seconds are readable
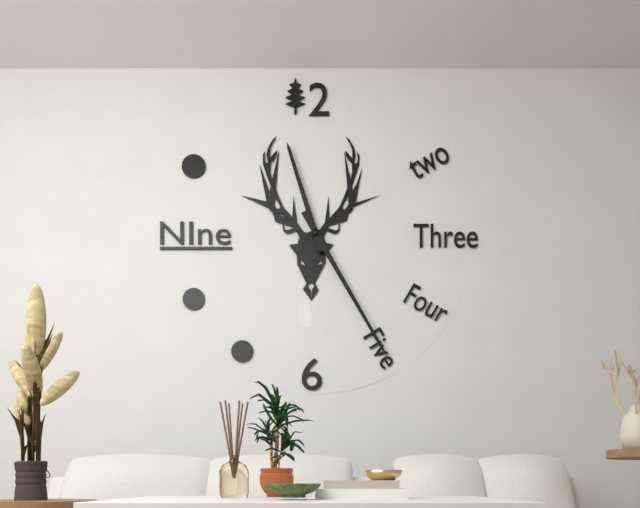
11:25
